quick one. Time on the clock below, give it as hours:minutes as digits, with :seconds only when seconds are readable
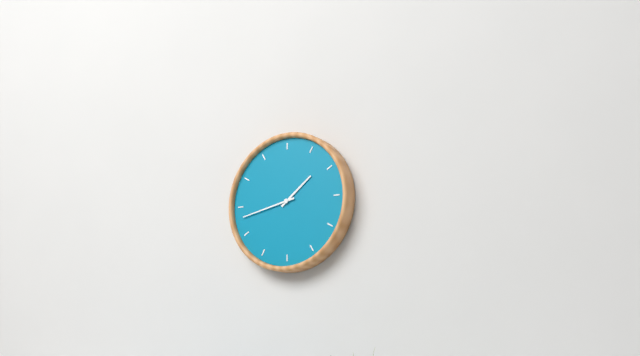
1:43
